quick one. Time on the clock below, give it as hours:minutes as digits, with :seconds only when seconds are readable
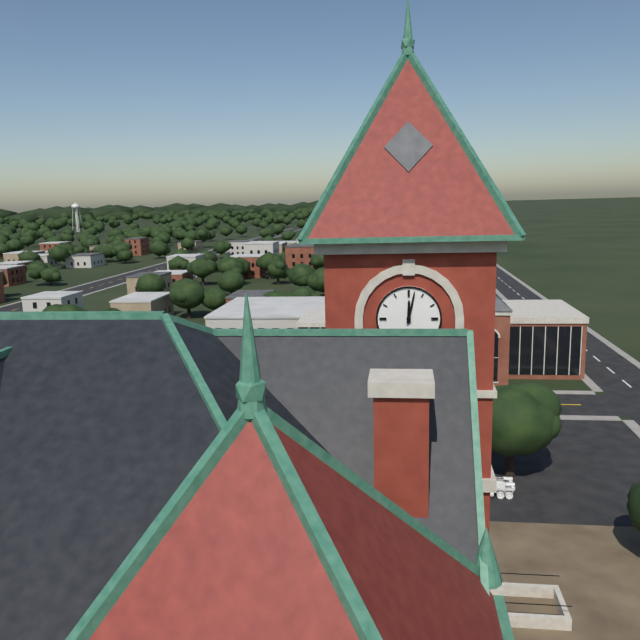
12:02
